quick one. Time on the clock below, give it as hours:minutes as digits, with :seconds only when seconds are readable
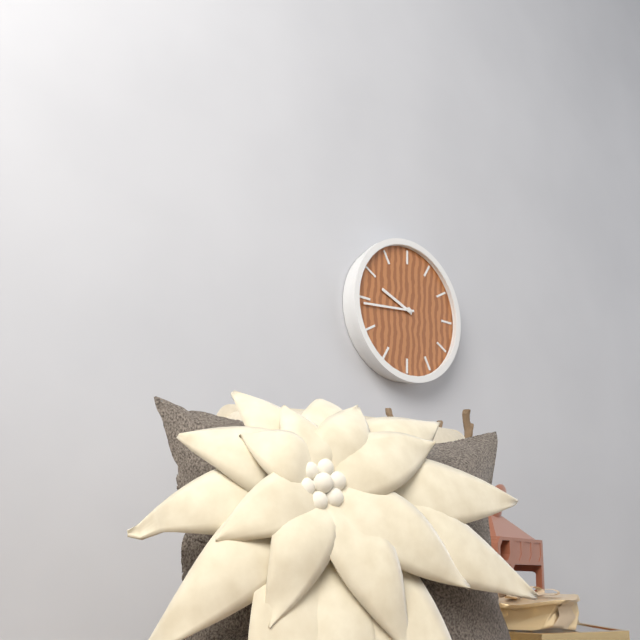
9:44
